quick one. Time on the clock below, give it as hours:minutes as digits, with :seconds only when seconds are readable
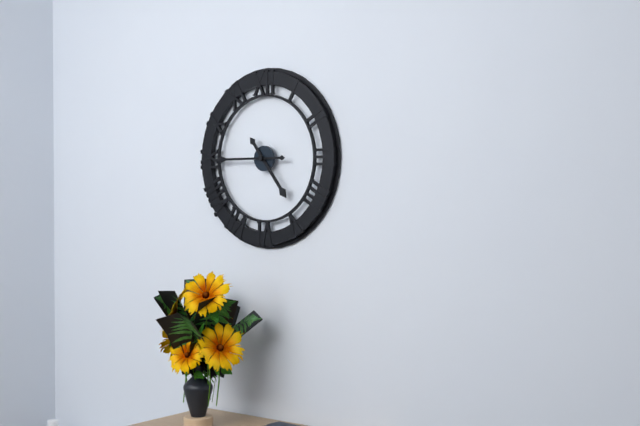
4:45
